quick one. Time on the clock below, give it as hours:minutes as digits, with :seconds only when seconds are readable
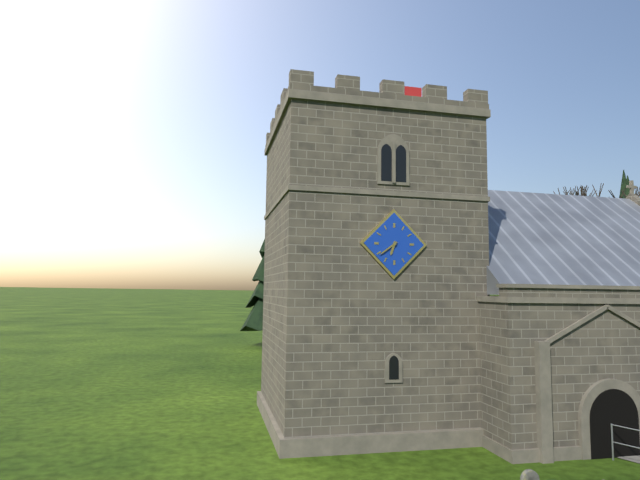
6:39
